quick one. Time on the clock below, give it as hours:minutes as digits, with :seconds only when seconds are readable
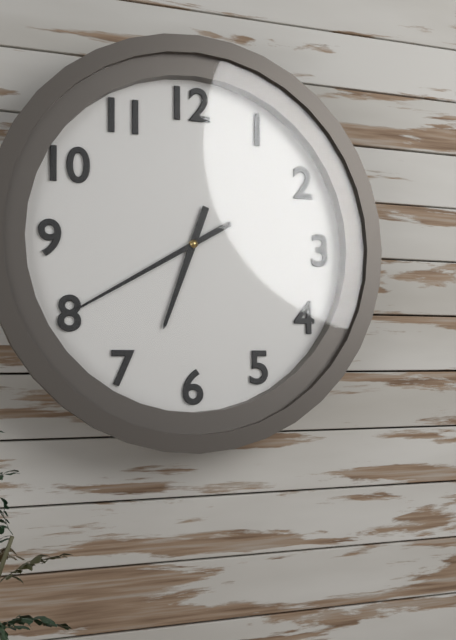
6:40
